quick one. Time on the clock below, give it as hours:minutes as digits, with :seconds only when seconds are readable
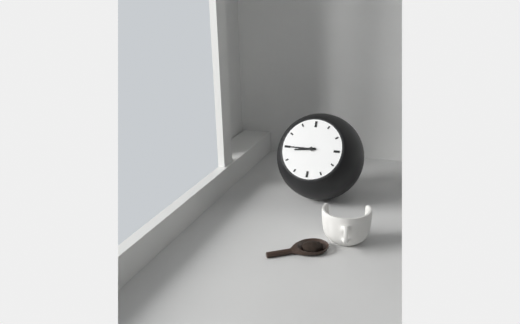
8:45
